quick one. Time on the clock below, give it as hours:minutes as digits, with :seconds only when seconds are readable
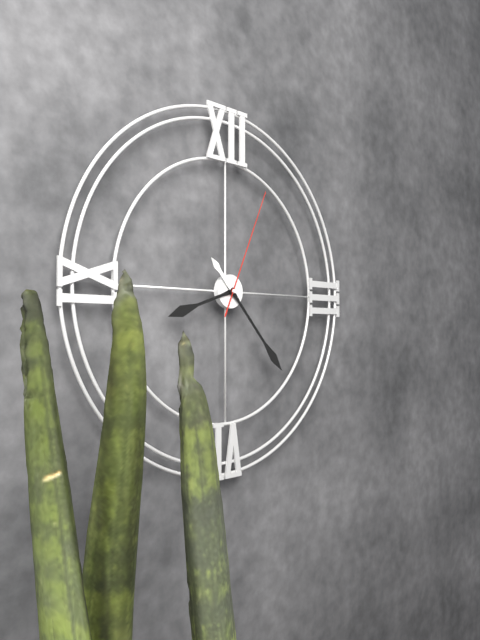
8:23:04
